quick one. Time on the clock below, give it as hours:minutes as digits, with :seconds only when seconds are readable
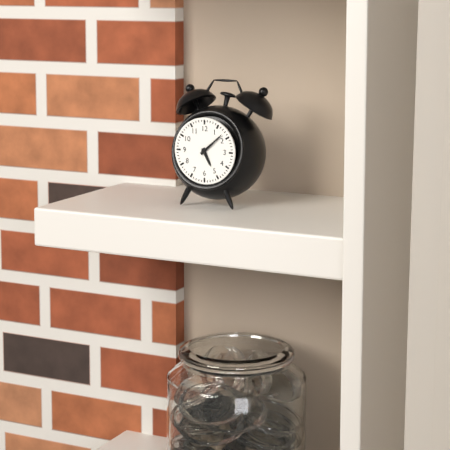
5:08
